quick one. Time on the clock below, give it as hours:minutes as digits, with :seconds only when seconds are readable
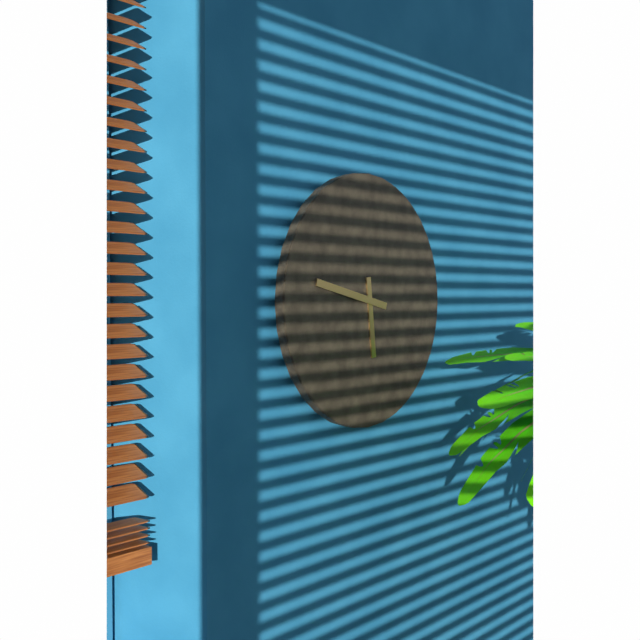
5:47
